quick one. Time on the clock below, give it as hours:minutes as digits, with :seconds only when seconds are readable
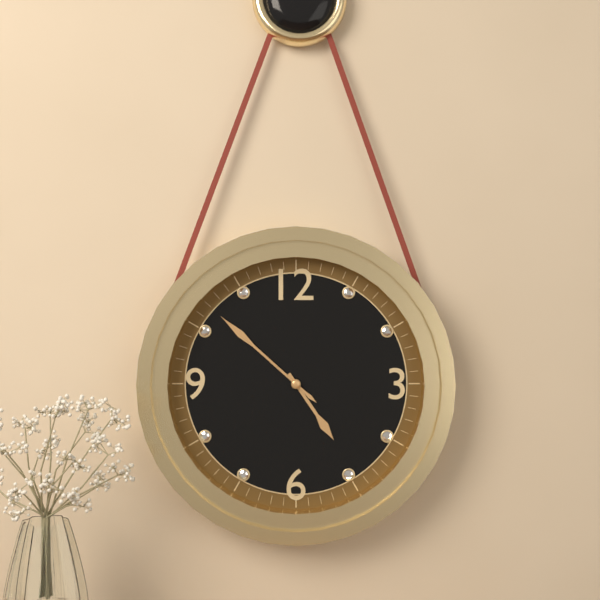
4:52:52
